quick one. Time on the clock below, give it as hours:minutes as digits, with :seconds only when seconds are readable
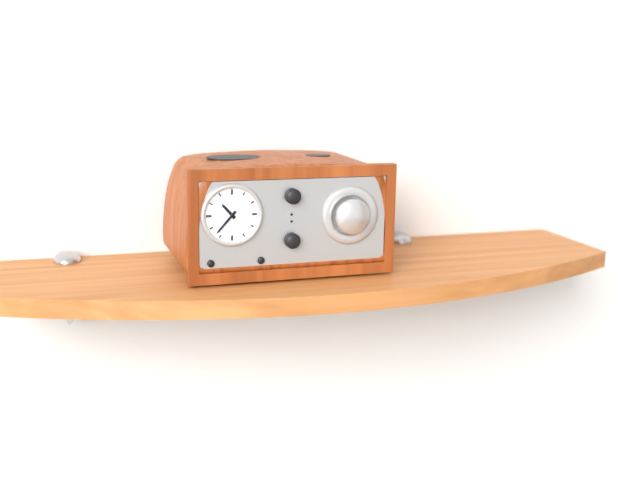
10:37
